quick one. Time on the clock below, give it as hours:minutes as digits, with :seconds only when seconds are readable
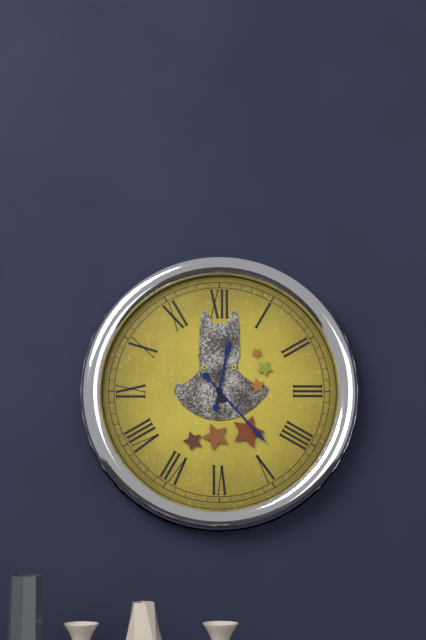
12:23
